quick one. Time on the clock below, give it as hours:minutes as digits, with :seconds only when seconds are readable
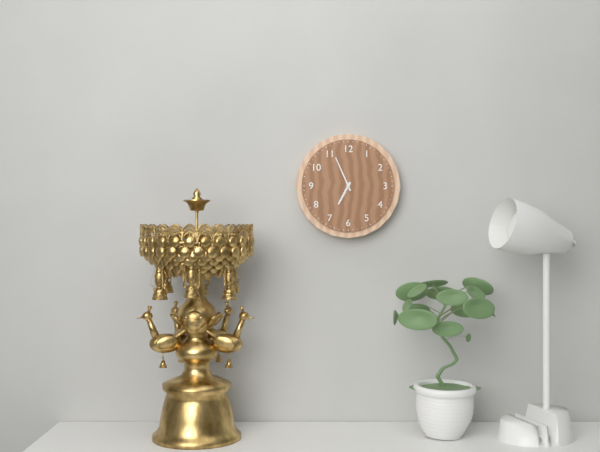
6:56
